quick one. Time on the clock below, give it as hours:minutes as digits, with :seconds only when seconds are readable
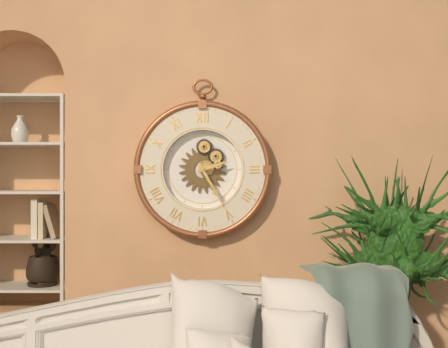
2:25
